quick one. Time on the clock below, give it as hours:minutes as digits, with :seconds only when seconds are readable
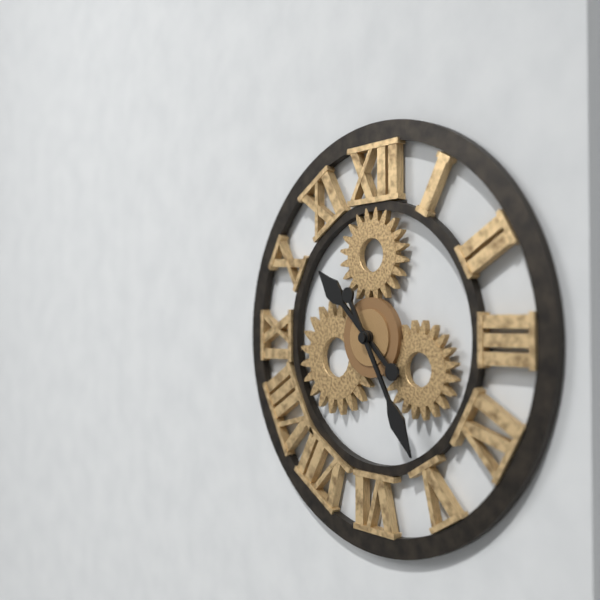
10:25
